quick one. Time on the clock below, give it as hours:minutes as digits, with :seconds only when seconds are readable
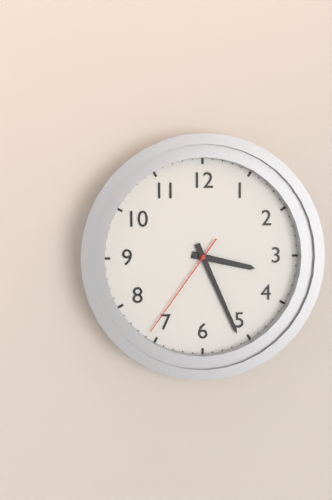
3:26:36
